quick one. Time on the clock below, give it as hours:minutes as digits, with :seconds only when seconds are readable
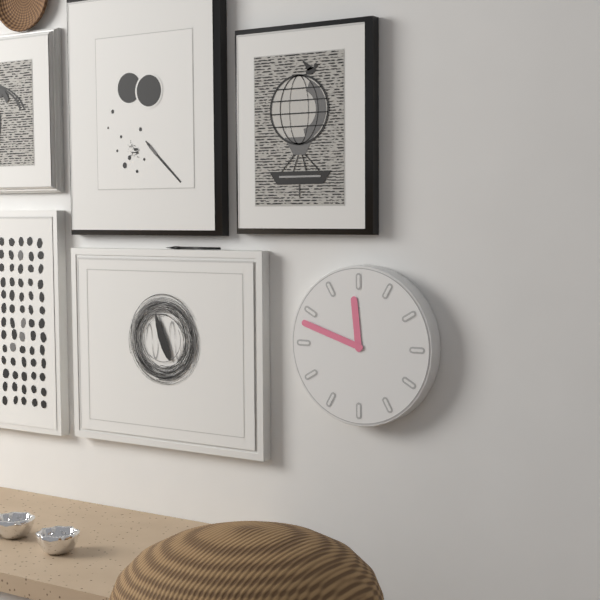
11:48
